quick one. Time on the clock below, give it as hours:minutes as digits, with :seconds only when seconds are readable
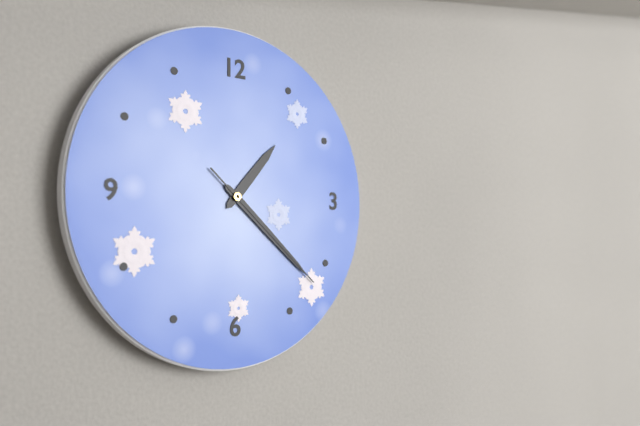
1:22:22
